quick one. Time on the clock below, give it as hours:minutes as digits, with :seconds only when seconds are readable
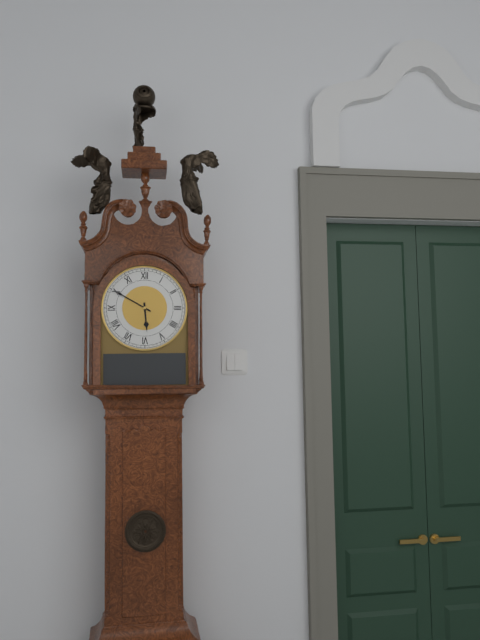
5:50
